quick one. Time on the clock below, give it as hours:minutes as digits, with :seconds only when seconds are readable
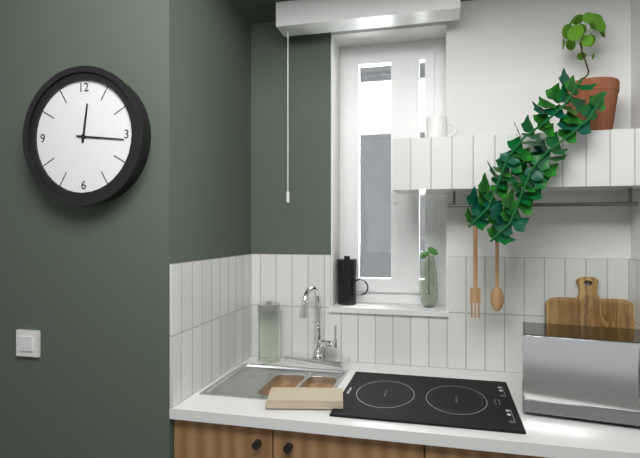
12:16
